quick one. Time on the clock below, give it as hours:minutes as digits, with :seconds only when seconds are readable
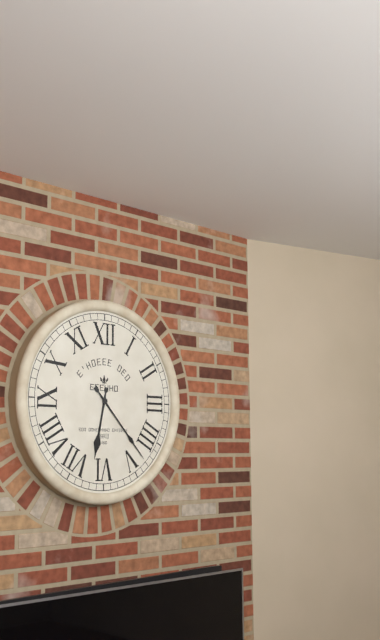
6:23
